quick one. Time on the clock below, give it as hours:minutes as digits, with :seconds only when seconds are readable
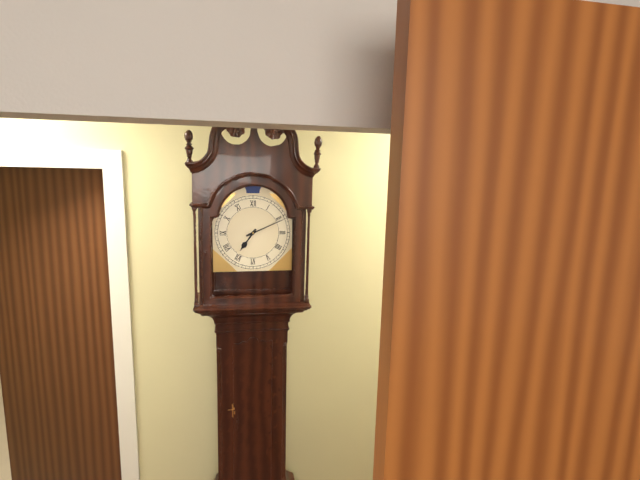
7:11
